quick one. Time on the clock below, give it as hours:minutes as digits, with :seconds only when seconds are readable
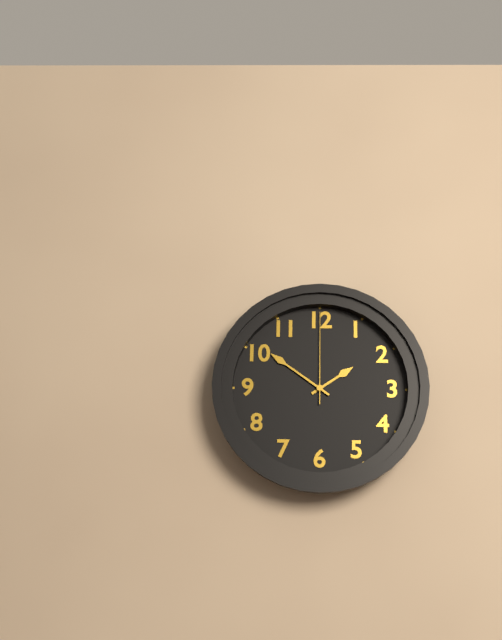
1:51:00
